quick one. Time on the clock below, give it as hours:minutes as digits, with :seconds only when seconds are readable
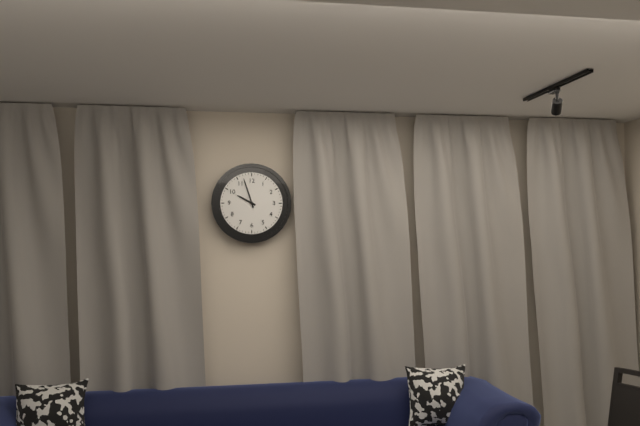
9:57
